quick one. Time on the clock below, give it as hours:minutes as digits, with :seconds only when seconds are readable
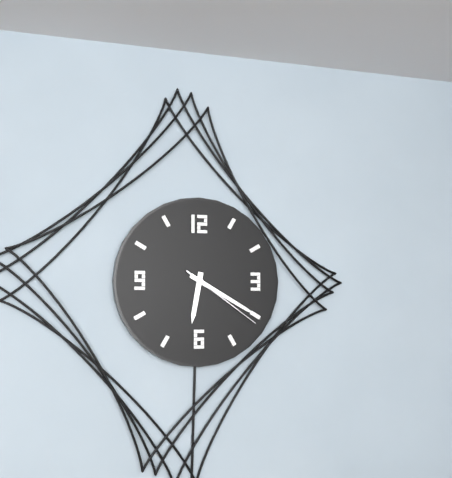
6:20:21
